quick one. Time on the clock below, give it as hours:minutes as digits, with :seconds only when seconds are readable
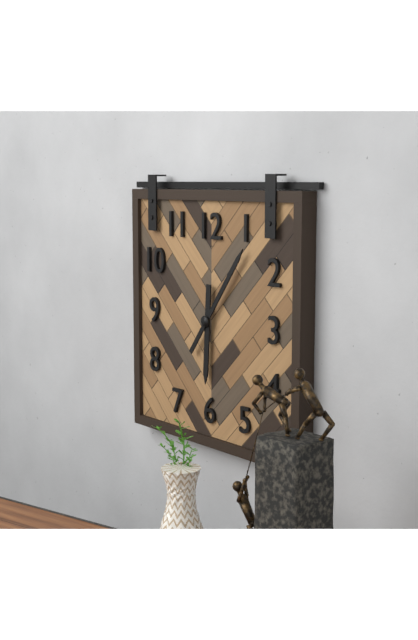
6:06
